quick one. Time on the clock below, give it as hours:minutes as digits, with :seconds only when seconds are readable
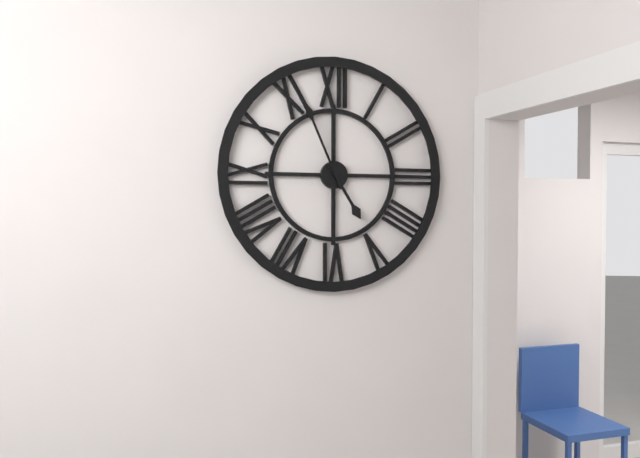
4:56
